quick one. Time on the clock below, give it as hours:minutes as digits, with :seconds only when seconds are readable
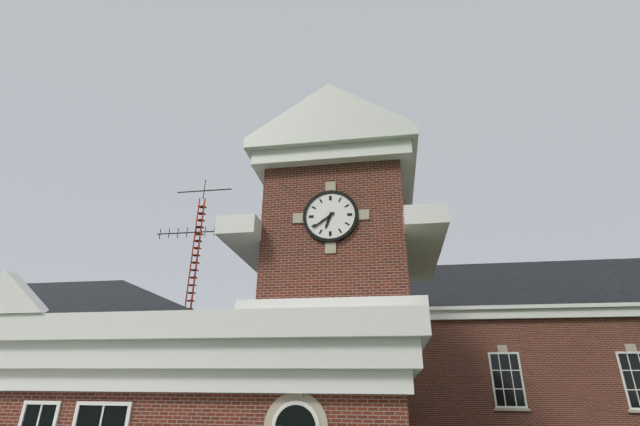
6:39
